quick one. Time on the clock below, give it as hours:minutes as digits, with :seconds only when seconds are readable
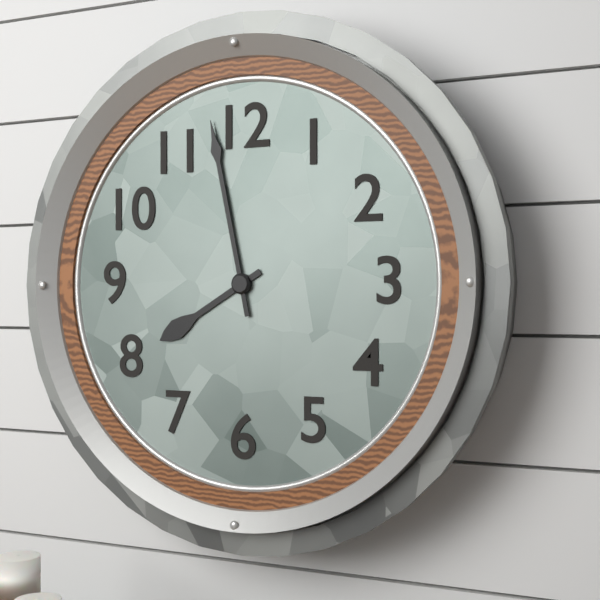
7:58
